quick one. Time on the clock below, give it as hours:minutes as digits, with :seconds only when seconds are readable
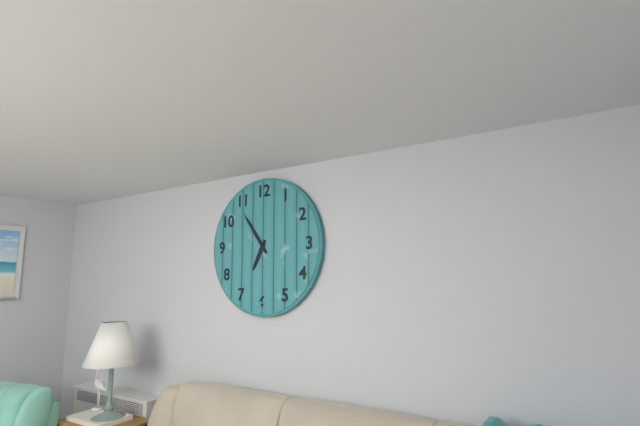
6:54
